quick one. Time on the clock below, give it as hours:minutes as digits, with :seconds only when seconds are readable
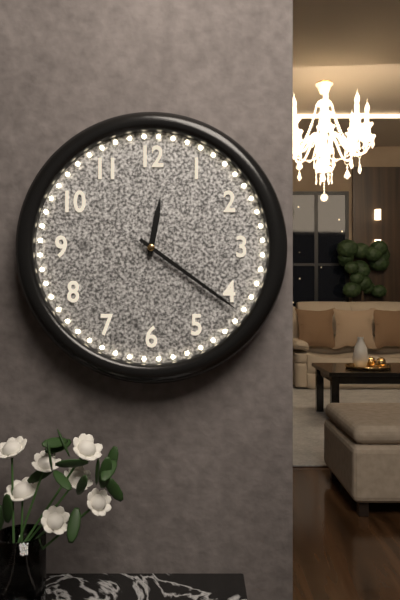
12:21
